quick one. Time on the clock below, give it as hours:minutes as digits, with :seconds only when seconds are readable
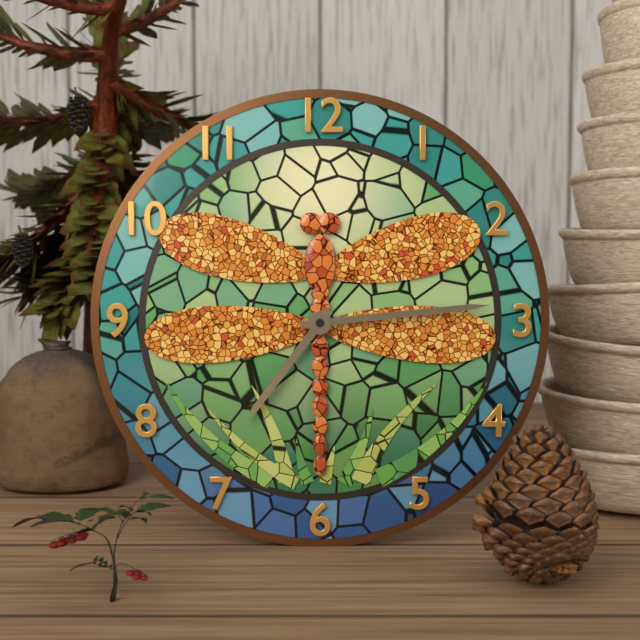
7:14
